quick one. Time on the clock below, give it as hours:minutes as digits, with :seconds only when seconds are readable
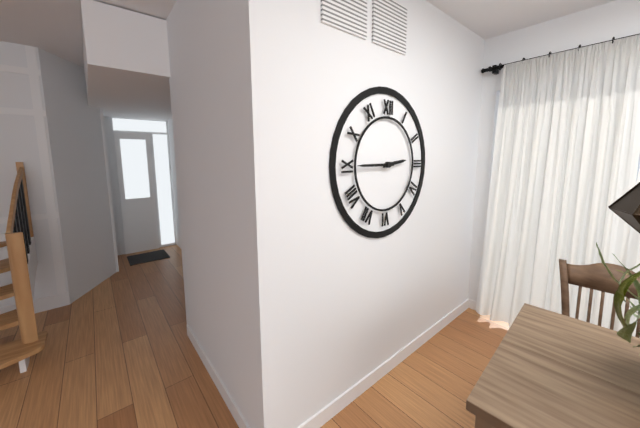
2:45
